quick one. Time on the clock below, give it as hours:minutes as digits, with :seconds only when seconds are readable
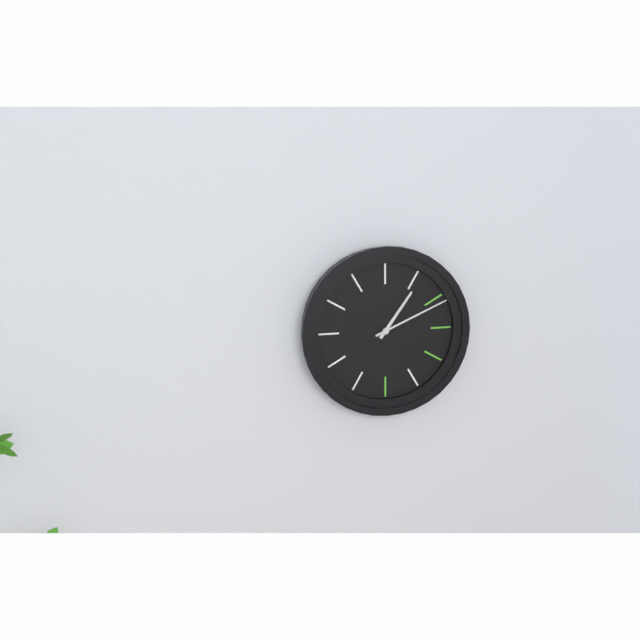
1:11
